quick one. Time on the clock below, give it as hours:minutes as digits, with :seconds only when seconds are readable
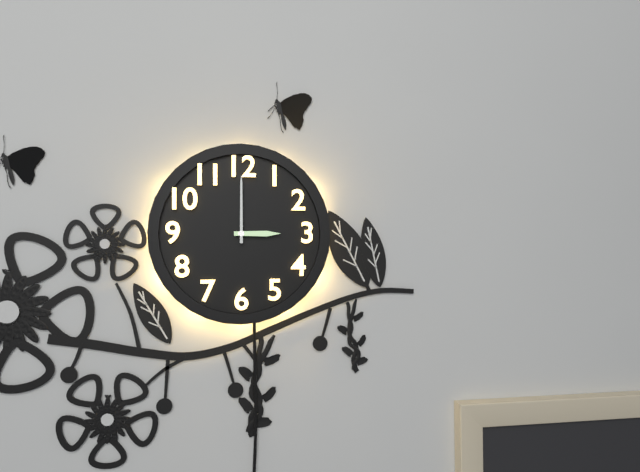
3:00
